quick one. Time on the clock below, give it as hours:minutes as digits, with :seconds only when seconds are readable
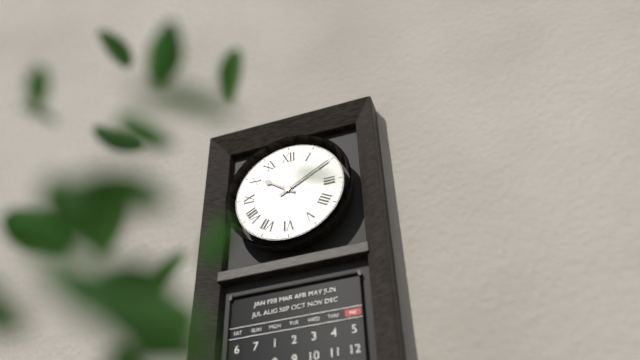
10:10
